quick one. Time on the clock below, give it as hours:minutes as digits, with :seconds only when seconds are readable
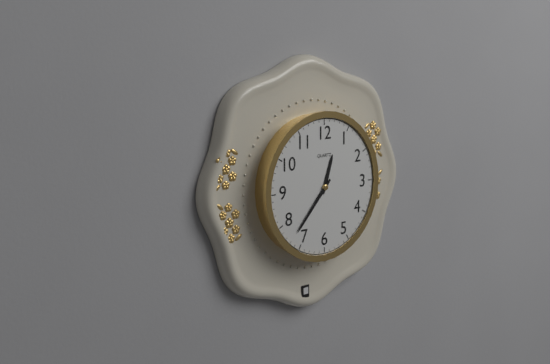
12:37
